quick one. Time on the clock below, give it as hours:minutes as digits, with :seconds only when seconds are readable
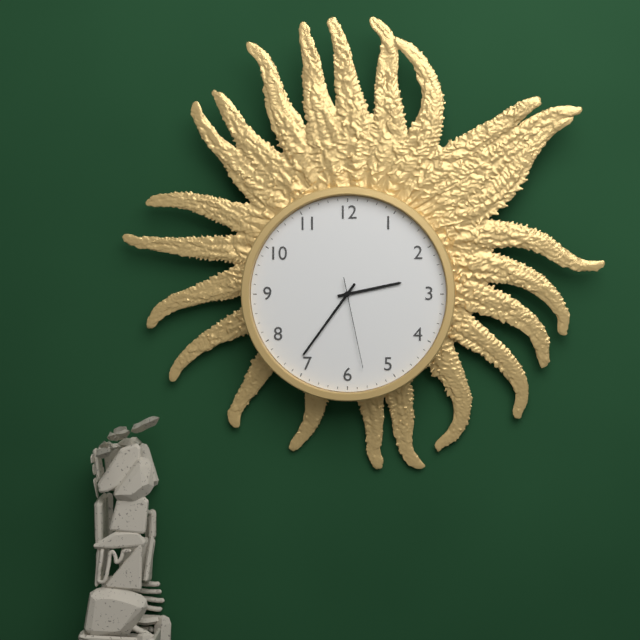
2:36:28
